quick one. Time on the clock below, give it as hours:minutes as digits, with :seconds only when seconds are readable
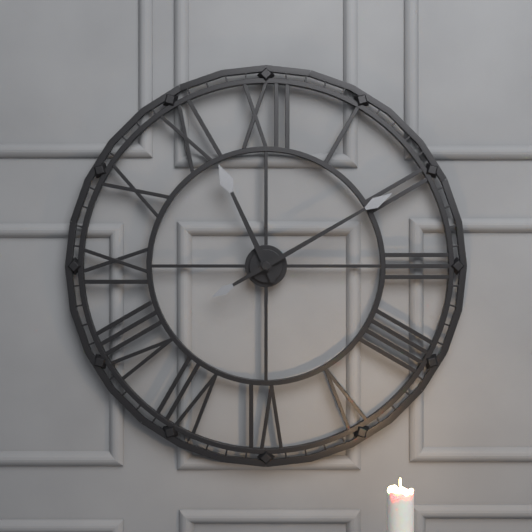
11:10
